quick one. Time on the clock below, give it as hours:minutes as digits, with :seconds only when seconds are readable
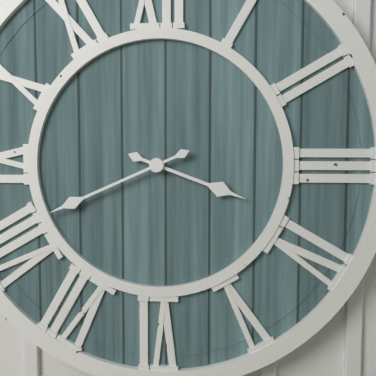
3:41
